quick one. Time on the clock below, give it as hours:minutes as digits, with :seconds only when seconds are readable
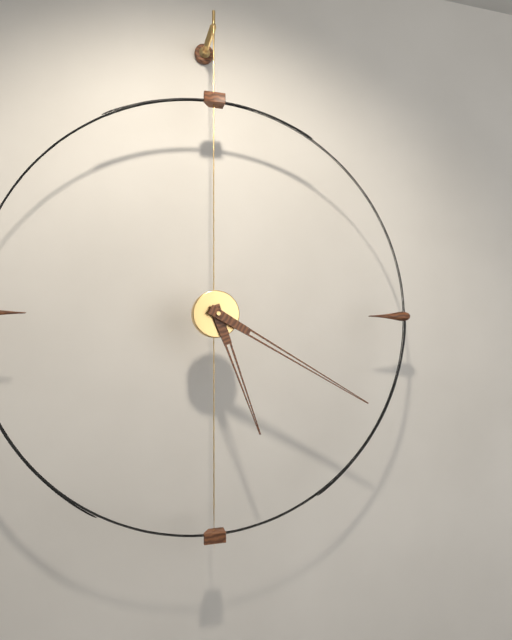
5:20
